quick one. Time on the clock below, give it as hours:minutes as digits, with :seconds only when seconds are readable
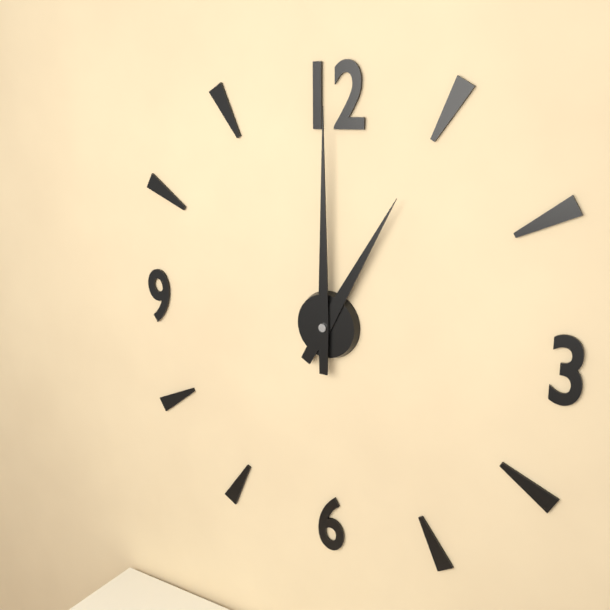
1:00
